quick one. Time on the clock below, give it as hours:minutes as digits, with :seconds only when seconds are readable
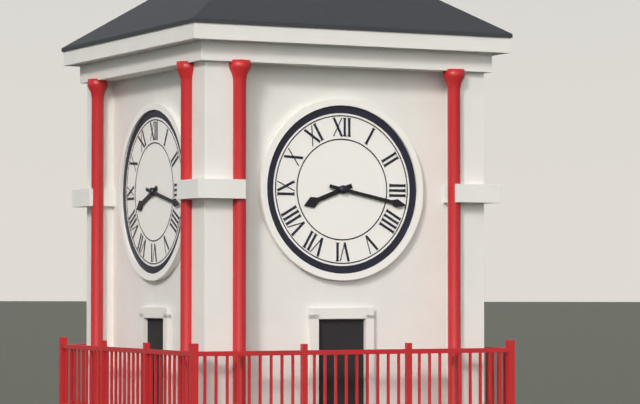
8:17
